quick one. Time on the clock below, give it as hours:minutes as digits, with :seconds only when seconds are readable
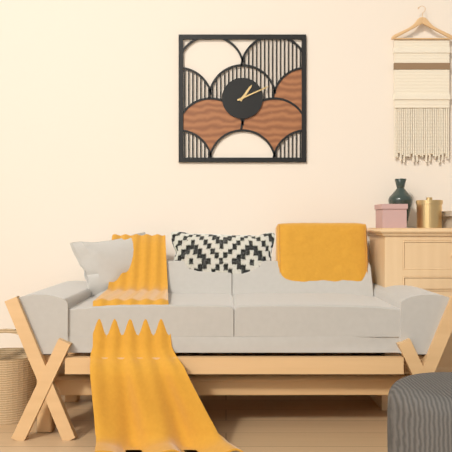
1:11
